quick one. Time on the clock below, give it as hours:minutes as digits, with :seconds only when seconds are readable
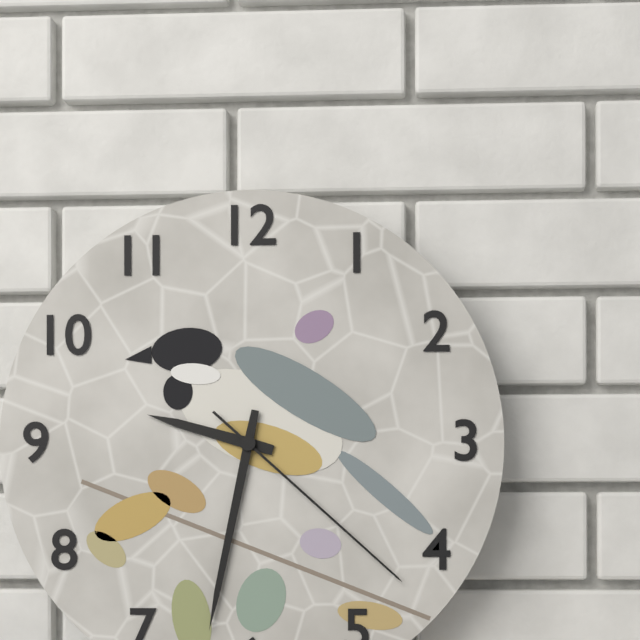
9:32:22
